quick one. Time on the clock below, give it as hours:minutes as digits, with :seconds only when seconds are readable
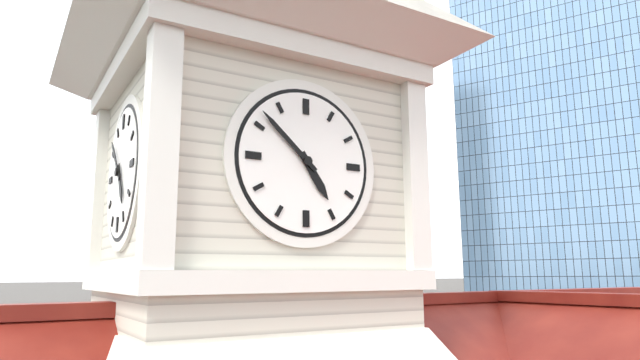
4:52
